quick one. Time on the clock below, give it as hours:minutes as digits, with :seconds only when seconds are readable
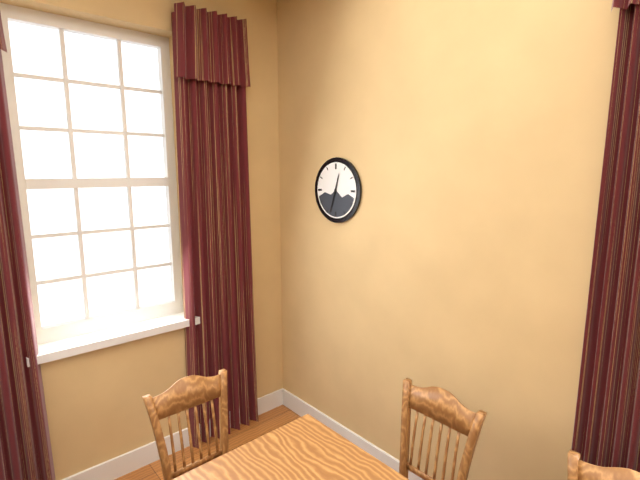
12:33
